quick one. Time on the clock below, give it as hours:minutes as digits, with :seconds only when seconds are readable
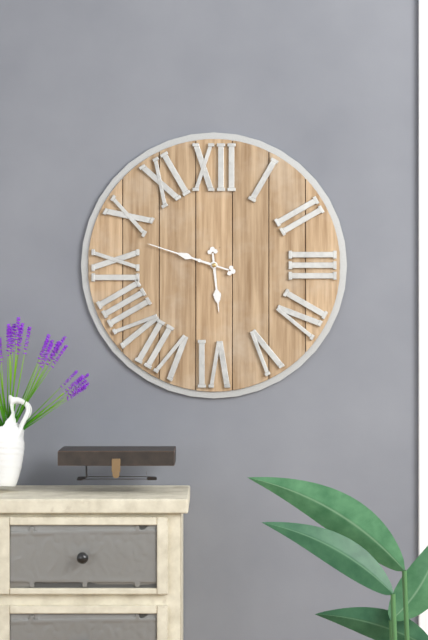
5:48
